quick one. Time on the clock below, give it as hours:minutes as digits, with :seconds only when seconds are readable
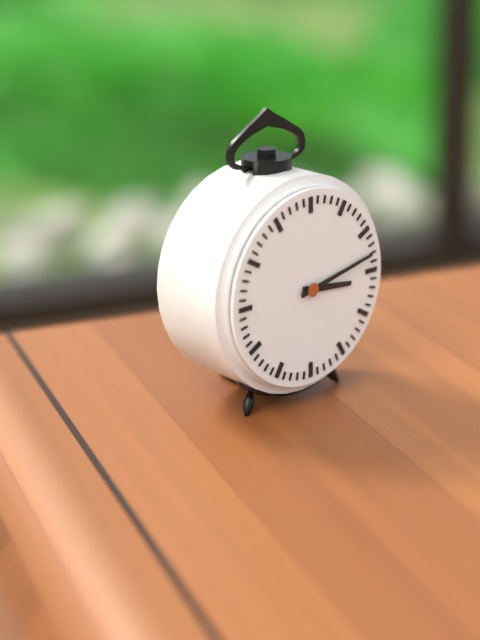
3:13
